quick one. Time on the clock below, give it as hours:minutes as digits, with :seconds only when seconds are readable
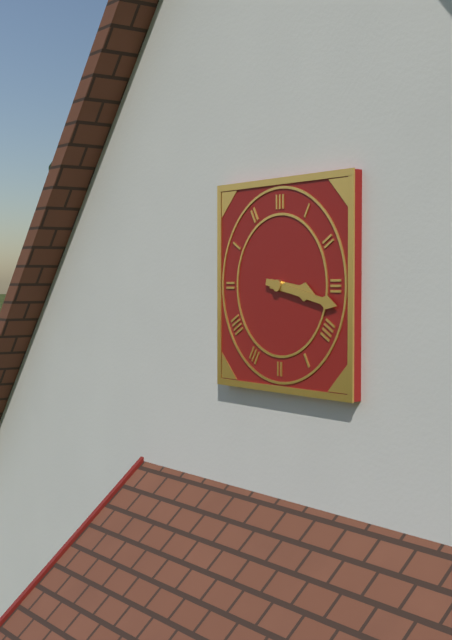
3:17
